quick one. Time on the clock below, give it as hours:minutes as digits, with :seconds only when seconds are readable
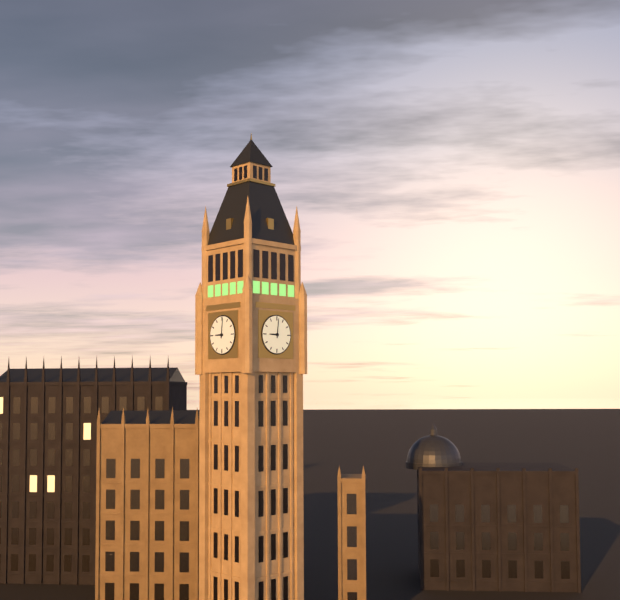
9:01
